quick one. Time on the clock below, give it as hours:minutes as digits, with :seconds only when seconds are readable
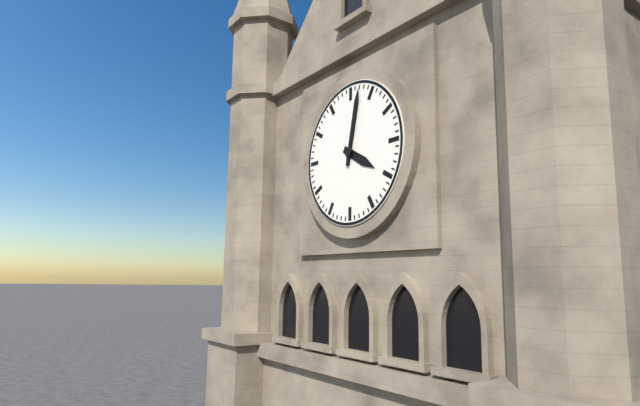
4:02
